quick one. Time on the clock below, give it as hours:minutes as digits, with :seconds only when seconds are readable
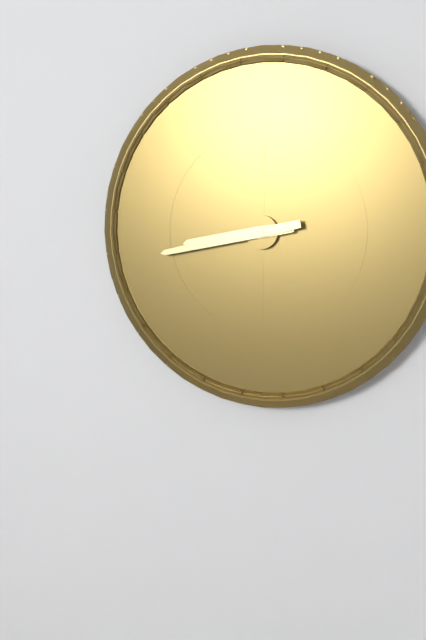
8:43
